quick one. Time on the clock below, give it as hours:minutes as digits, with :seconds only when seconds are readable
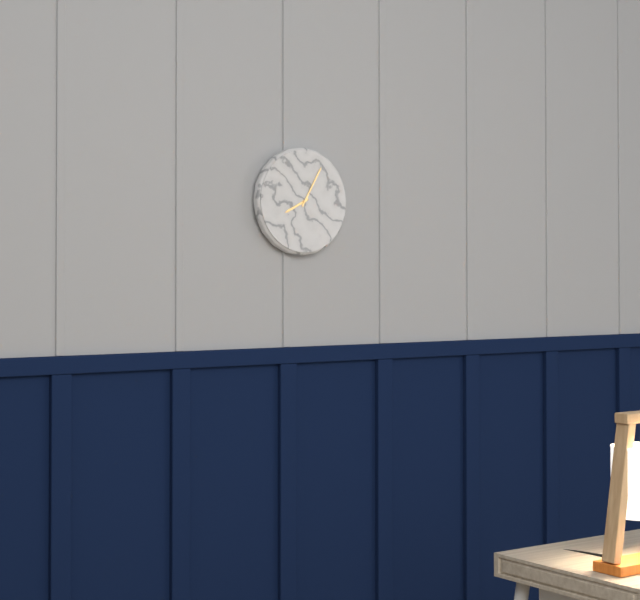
8:05
